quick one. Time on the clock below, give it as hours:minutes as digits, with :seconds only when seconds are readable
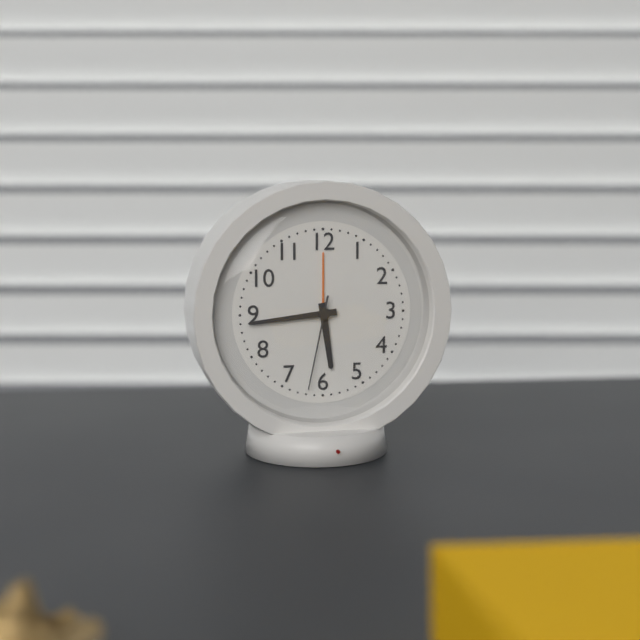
5:44:32
